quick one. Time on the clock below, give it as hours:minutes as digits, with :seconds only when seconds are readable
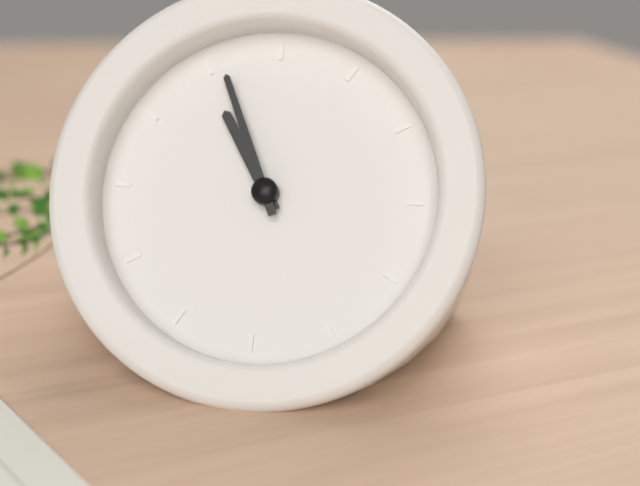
10:56
